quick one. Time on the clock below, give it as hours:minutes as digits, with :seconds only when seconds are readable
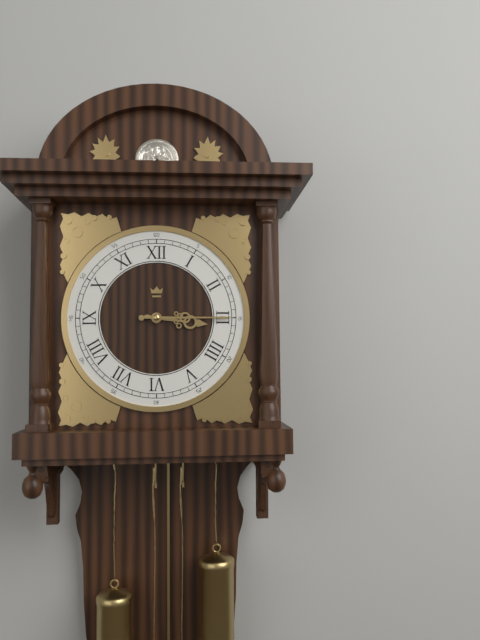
3:15
